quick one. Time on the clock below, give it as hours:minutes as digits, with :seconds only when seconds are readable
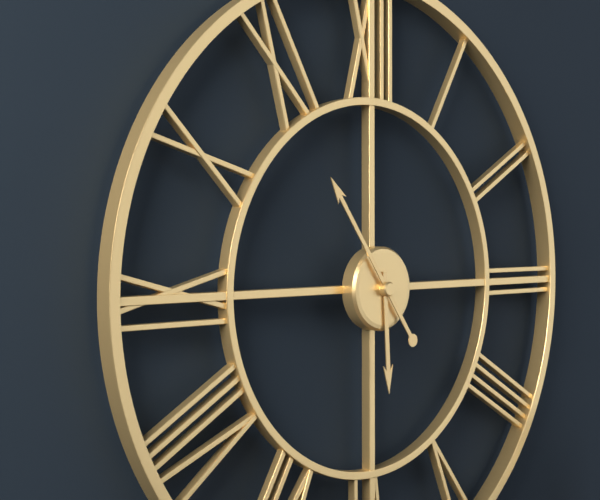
5:54
